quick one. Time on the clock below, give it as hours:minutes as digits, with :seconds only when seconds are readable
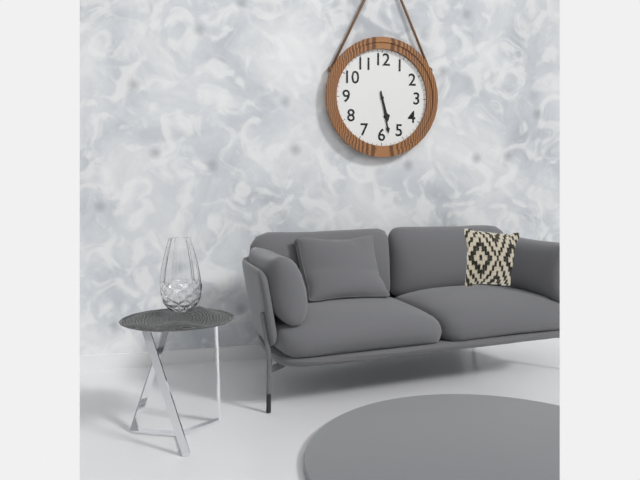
5:28
